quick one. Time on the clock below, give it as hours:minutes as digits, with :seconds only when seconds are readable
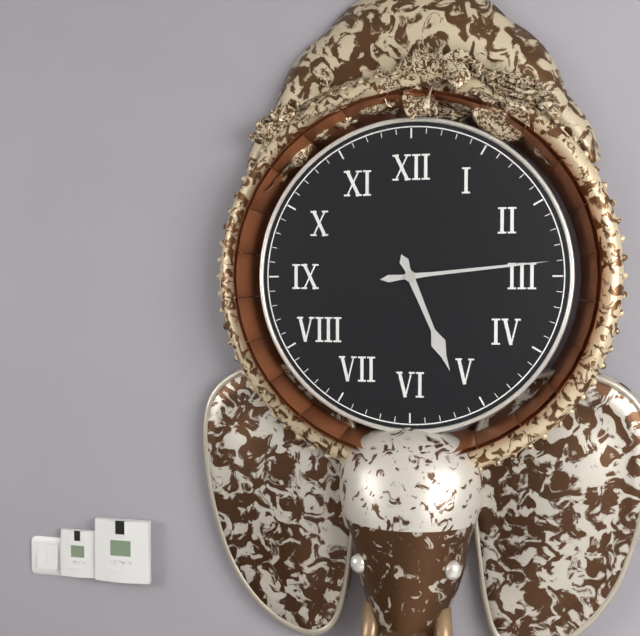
5:14
